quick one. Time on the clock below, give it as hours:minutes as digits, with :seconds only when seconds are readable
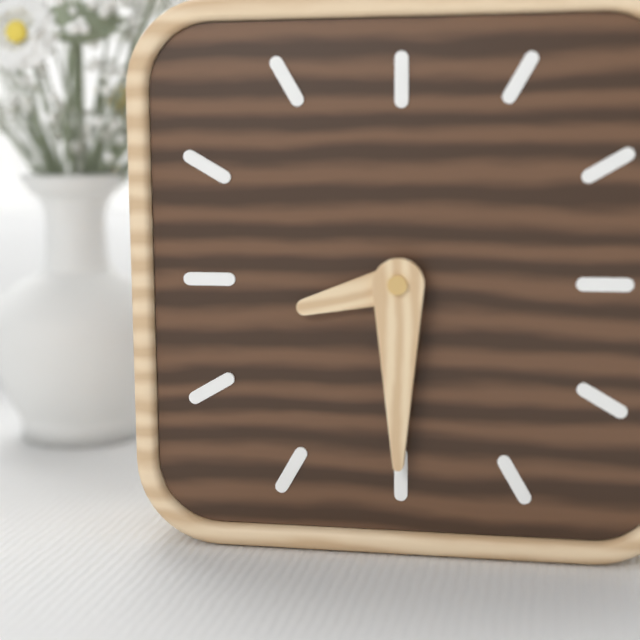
8:30
